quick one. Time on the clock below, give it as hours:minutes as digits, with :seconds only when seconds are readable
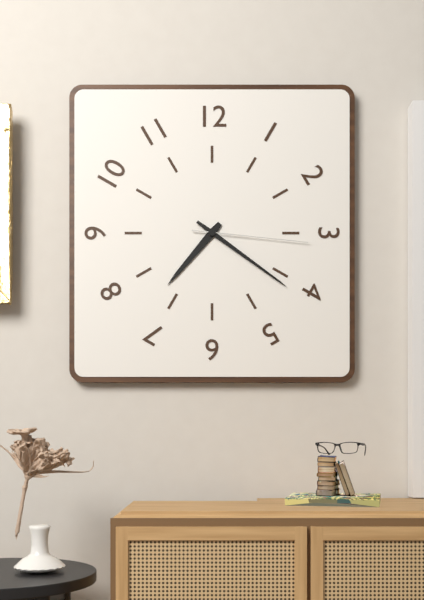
7:21:16
